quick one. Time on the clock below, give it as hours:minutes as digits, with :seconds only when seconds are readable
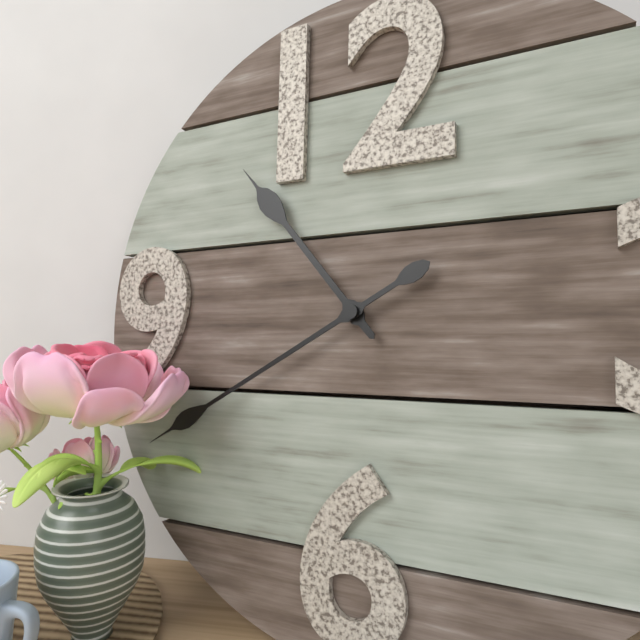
10:40
